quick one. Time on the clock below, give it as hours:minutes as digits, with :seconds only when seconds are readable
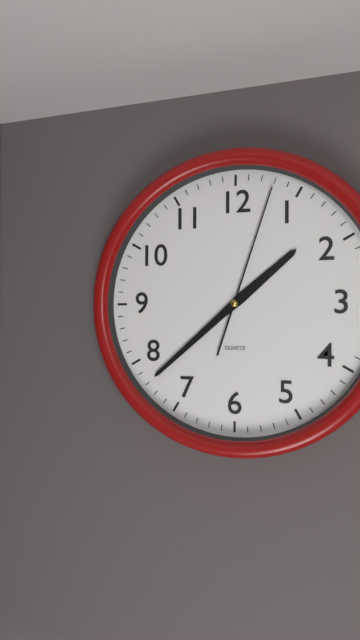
1:38:03
